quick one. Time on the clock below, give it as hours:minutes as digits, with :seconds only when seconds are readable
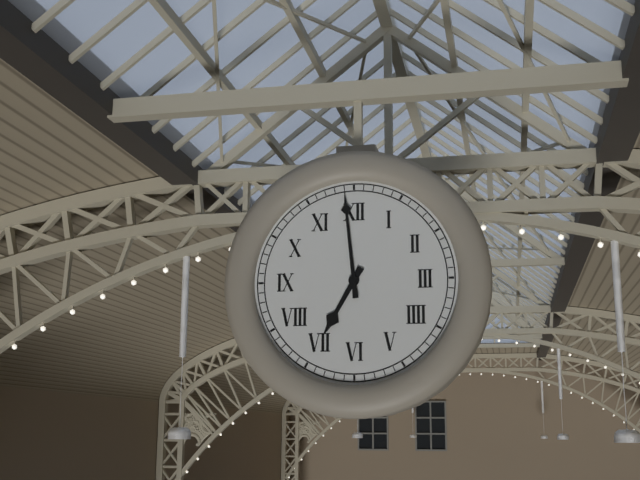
6:59
